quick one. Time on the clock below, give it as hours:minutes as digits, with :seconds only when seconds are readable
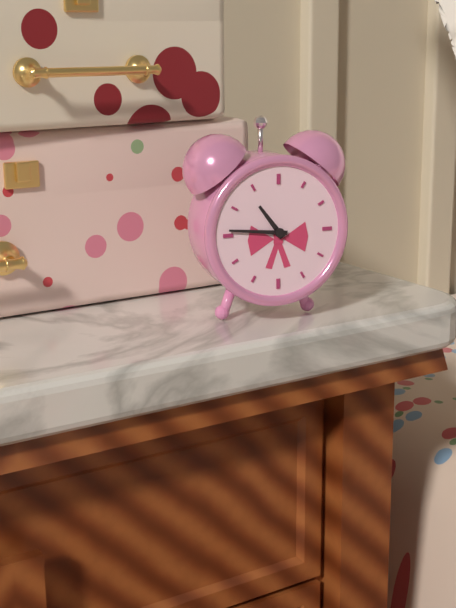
10:46
